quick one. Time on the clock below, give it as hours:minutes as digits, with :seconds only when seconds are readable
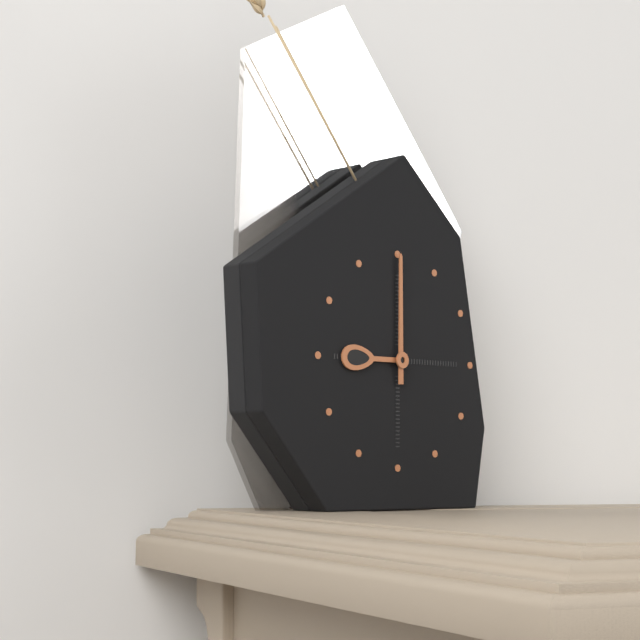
9:00
